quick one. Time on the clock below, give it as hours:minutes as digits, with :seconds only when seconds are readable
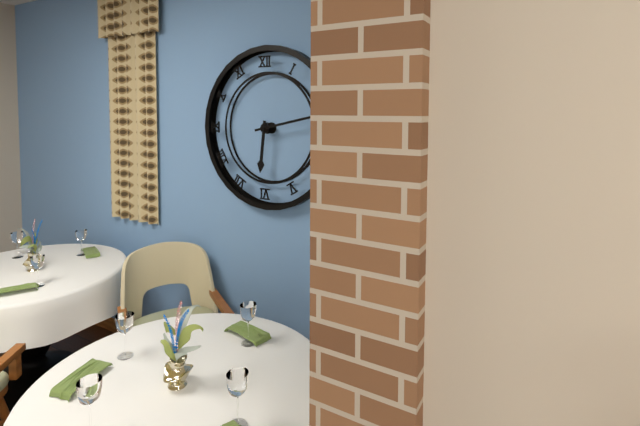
6:13
